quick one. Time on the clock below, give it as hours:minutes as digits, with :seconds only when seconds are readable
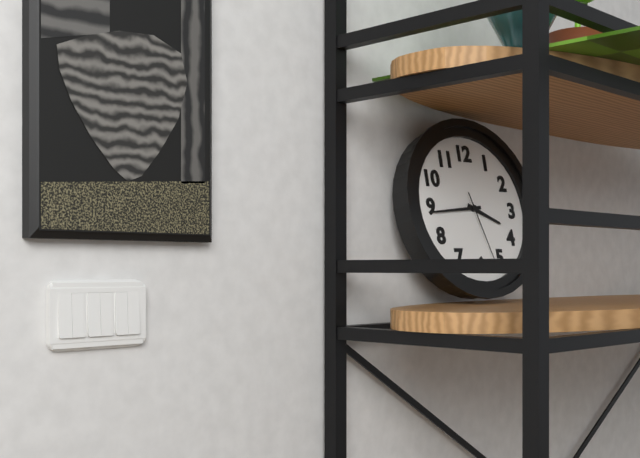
3:44:27
